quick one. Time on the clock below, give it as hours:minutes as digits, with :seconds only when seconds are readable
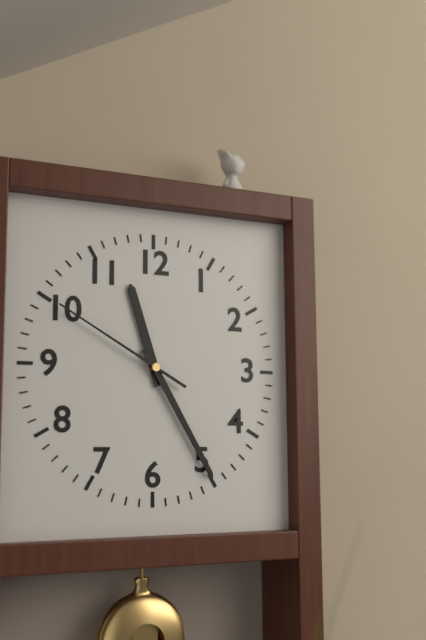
11:25:50
